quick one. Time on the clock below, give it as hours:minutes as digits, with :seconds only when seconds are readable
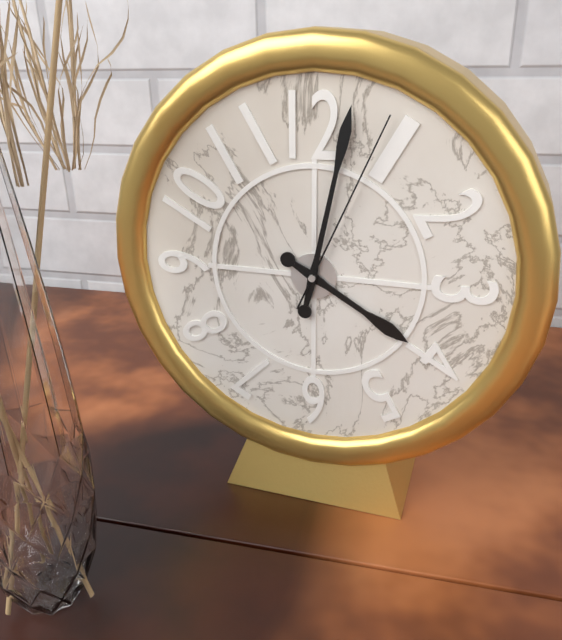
4:02:04
